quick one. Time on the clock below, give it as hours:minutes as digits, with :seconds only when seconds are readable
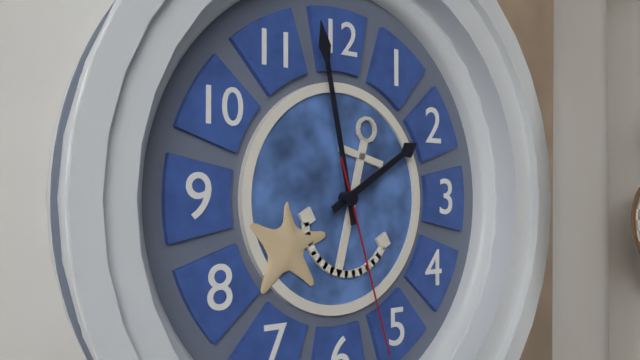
1:58:27
